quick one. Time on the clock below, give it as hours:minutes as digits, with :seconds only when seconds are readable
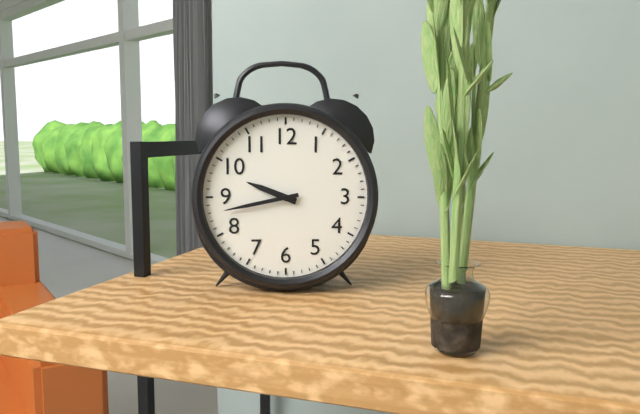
9:43
